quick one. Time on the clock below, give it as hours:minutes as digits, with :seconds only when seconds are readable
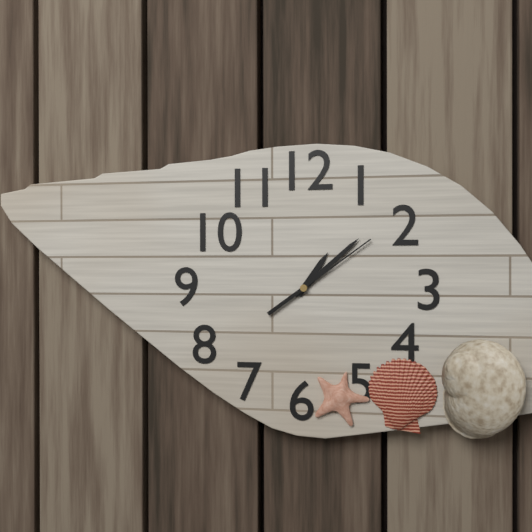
1:08:09
